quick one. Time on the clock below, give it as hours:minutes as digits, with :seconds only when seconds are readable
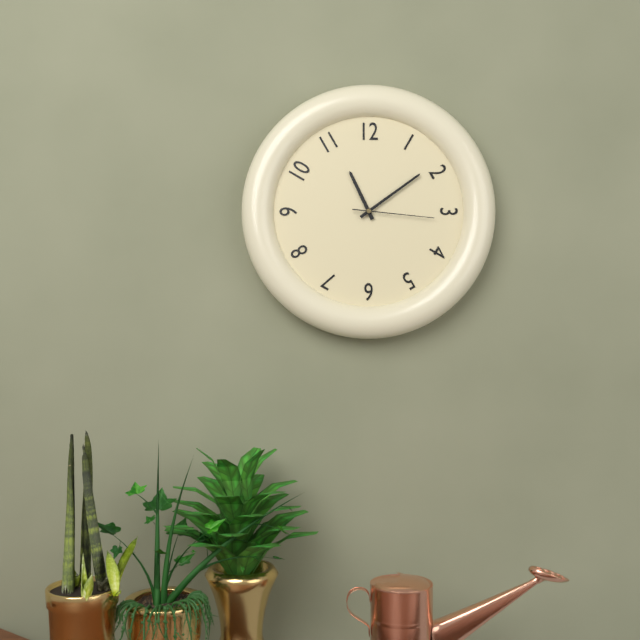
11:09:16
